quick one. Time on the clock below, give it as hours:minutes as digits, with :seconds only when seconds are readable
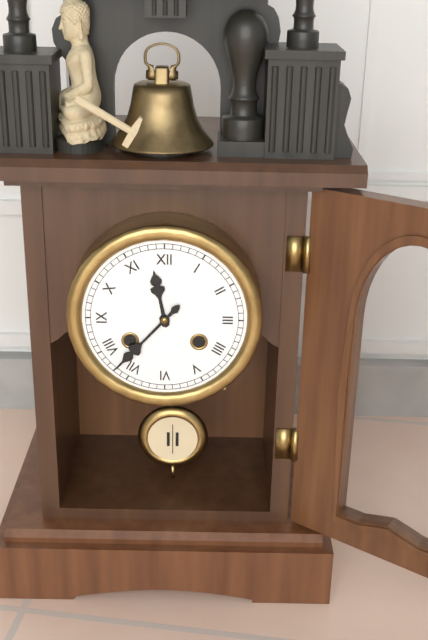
11:37
